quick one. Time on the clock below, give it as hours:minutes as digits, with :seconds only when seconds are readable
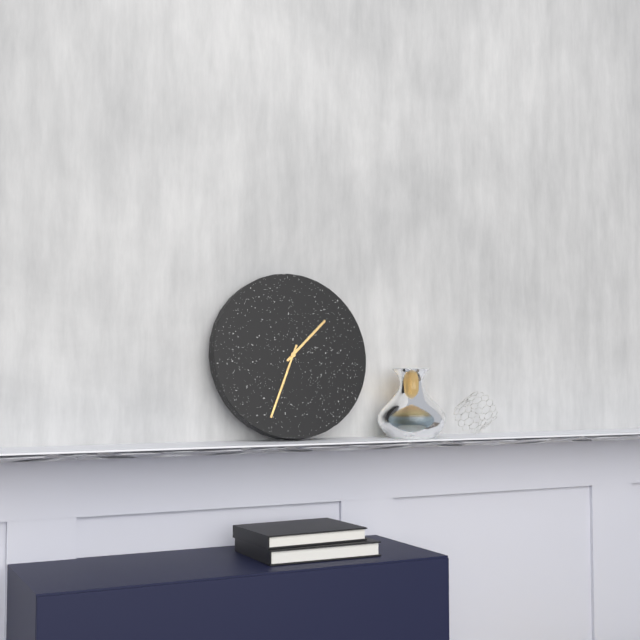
1:34
